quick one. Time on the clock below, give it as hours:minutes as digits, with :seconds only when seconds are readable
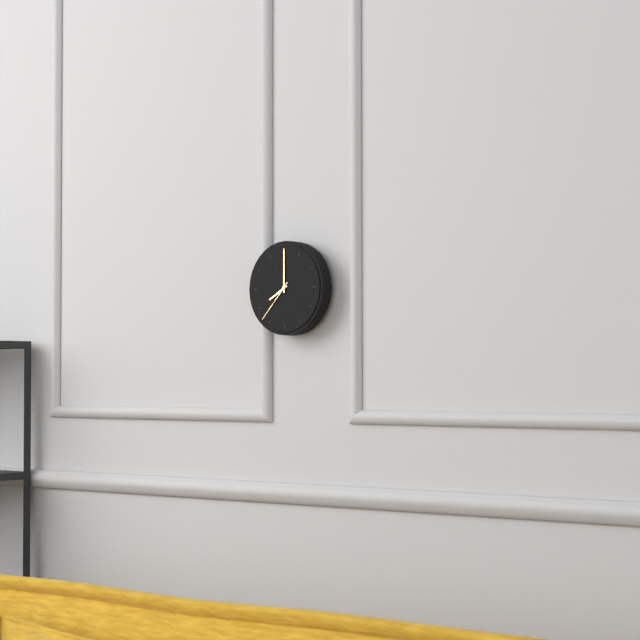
8:00
